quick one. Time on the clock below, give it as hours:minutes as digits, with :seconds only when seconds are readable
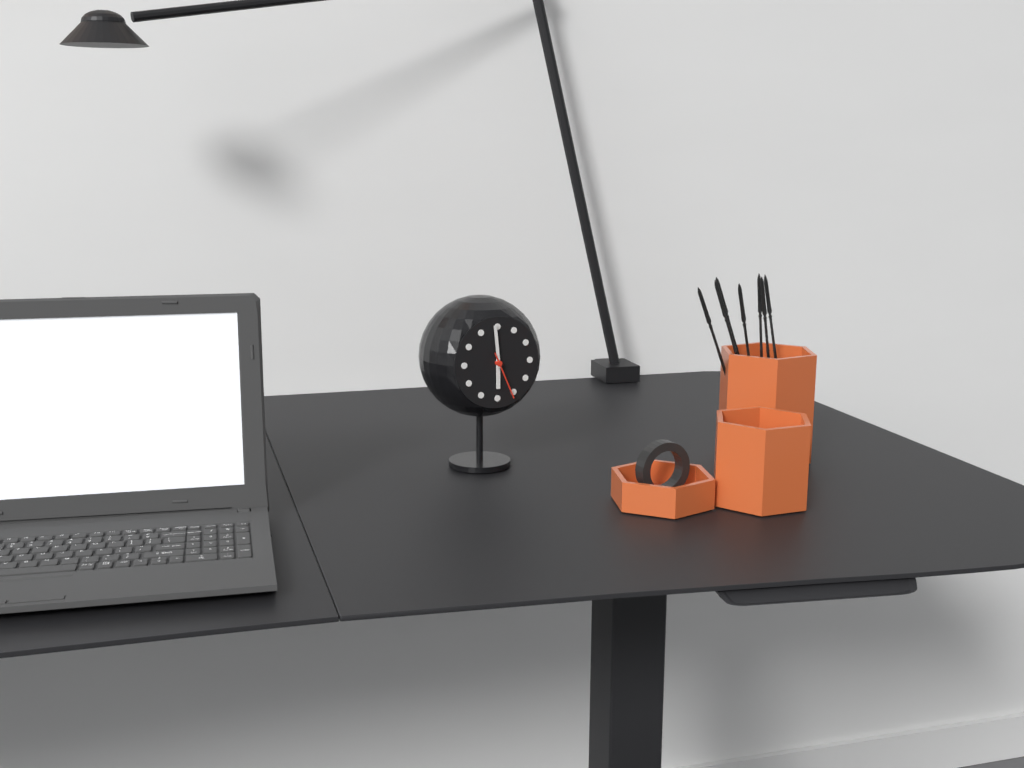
5:59:26
